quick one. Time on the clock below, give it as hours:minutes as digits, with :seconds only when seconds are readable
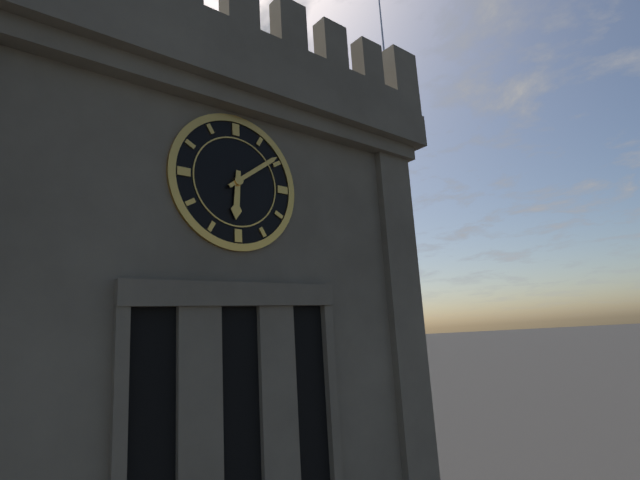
6:09
